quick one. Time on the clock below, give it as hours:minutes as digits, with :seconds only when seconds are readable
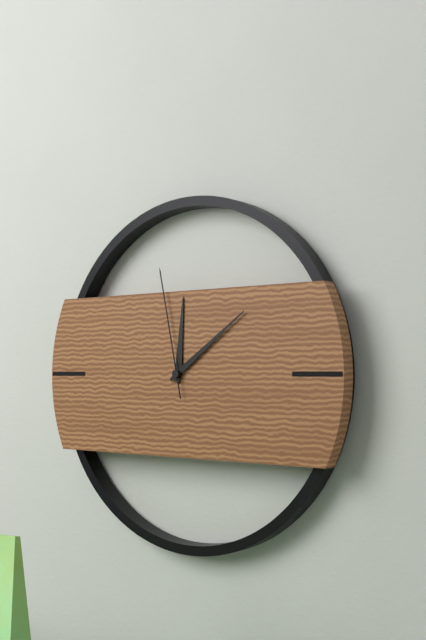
12:09:58
